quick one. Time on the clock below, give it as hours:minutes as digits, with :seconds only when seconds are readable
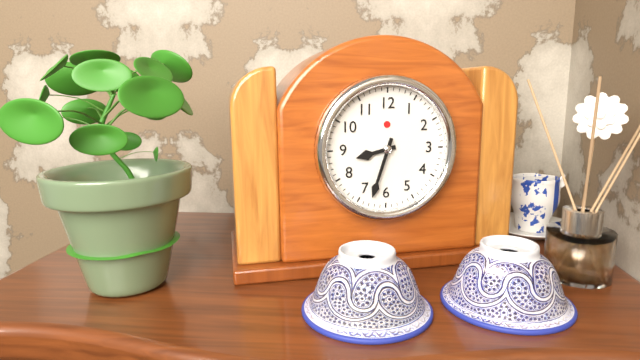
8:33
